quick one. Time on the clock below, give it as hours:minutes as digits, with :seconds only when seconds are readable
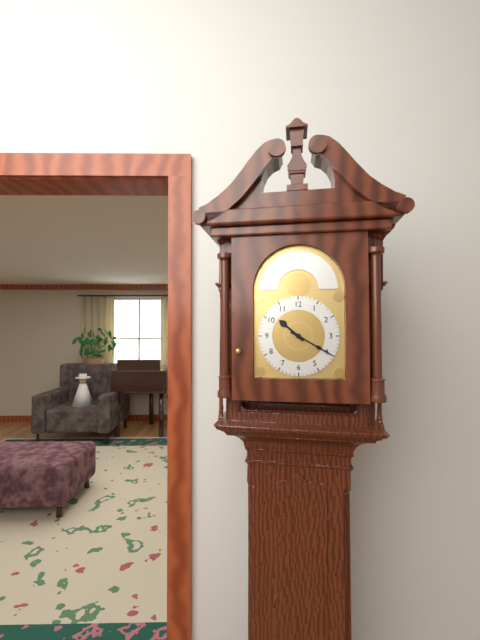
10:20
